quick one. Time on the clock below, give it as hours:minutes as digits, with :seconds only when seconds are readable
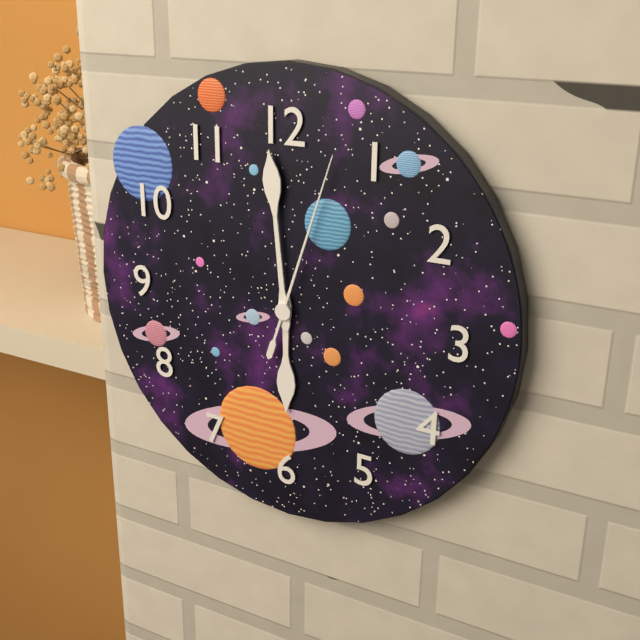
5:59:03
